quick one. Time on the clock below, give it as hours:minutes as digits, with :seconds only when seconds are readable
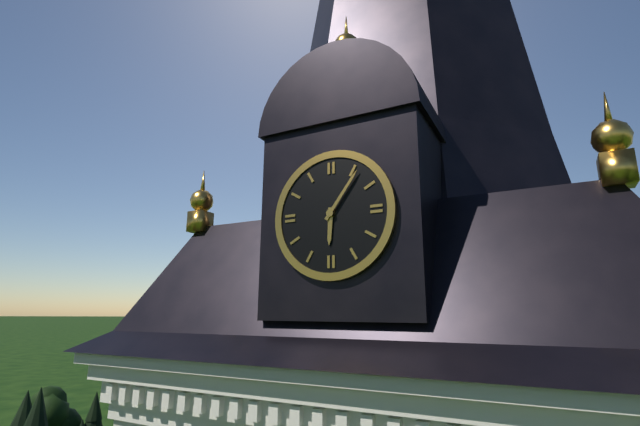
6:06
